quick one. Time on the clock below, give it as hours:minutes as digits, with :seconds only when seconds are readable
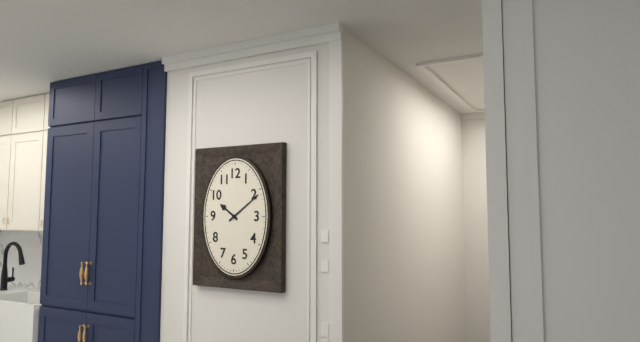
10:09
